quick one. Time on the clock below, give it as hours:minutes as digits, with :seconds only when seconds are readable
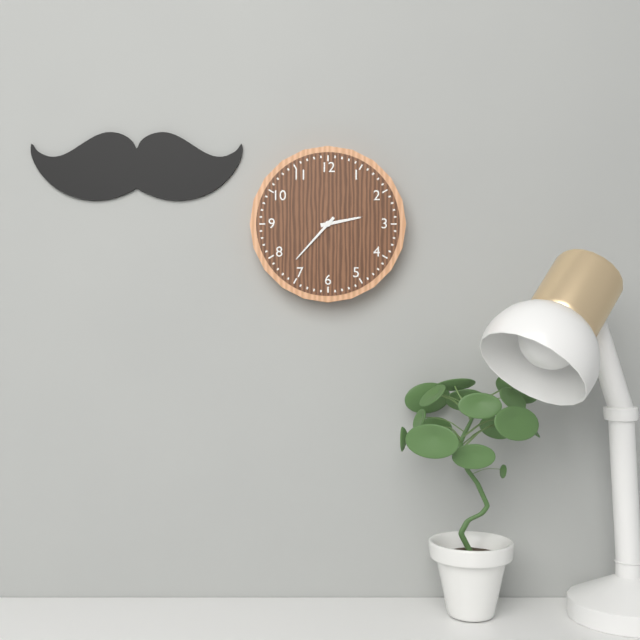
2:37
